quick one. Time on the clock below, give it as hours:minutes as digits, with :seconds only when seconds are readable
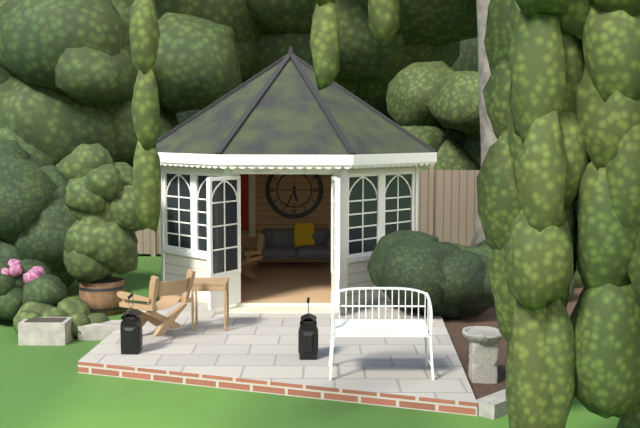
5:34
